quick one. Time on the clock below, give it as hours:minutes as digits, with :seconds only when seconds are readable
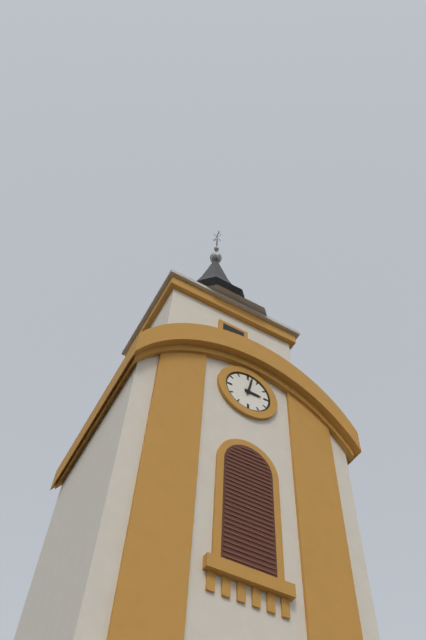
3:02
